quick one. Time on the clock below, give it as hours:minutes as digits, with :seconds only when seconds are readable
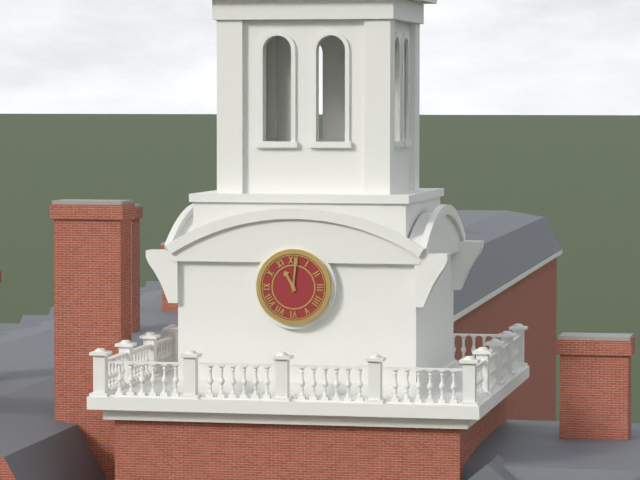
11:01
